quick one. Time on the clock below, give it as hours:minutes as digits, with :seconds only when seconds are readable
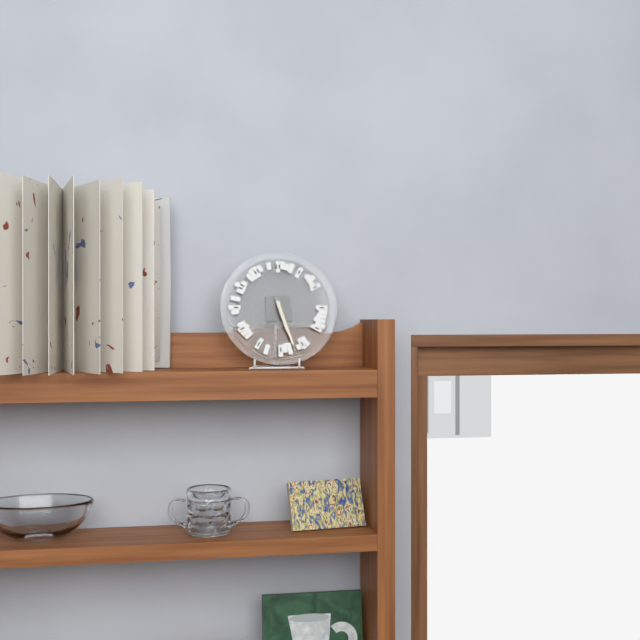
5:27:36
